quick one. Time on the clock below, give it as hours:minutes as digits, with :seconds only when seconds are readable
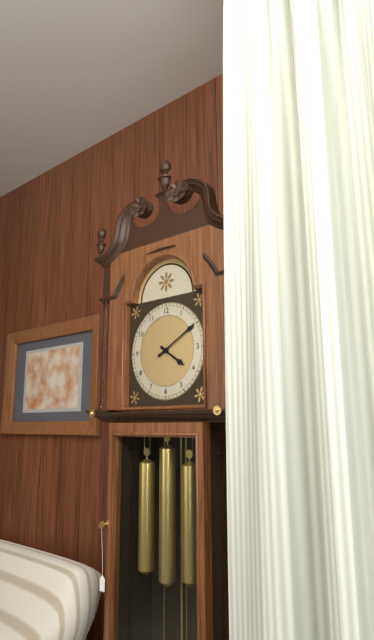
4:10
